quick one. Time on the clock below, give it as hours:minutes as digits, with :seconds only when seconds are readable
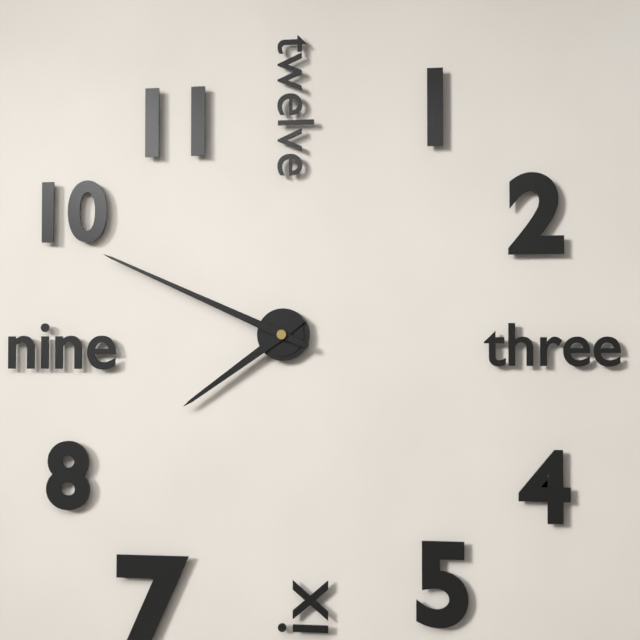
7:49
